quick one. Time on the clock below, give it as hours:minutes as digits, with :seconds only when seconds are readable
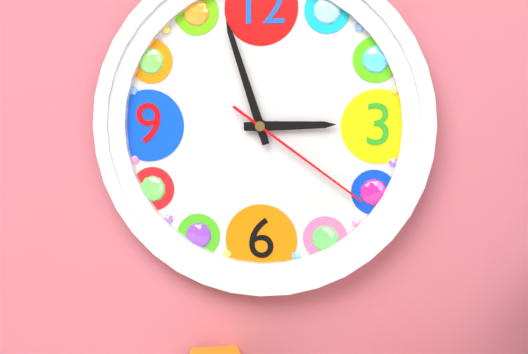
2:57:21
